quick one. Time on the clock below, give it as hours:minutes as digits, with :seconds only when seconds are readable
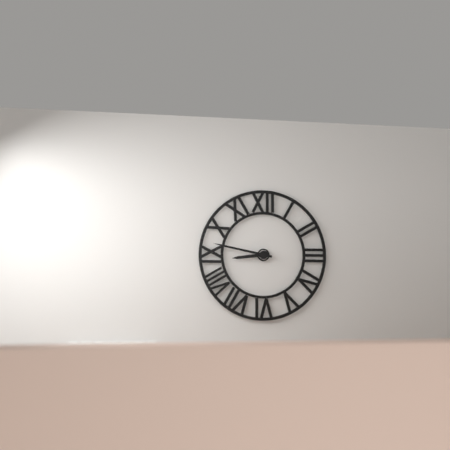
8:47
